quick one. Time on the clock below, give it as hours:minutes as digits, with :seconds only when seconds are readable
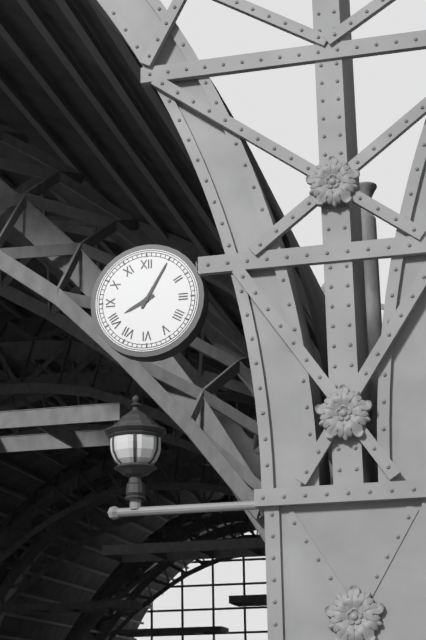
8:05
